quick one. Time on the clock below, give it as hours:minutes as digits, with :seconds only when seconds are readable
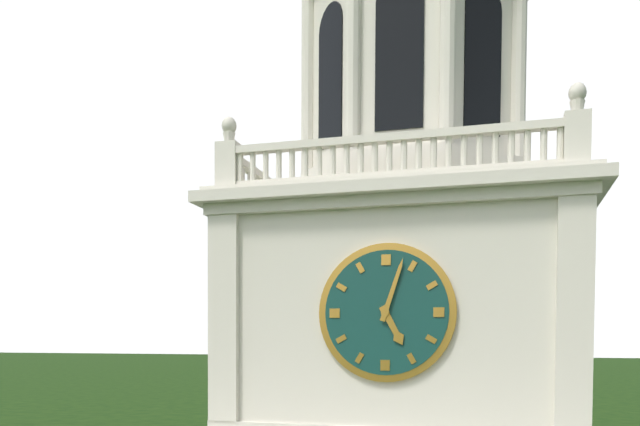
5:03
